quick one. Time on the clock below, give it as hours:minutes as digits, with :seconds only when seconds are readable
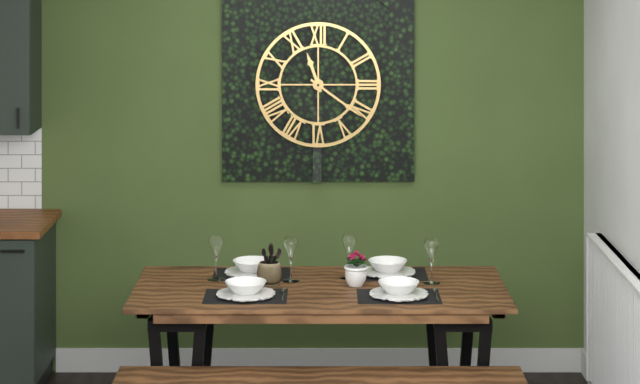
11:21
